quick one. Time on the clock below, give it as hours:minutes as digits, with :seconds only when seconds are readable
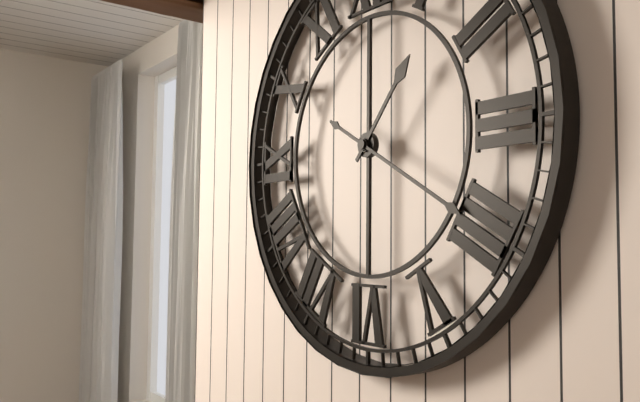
1:20
